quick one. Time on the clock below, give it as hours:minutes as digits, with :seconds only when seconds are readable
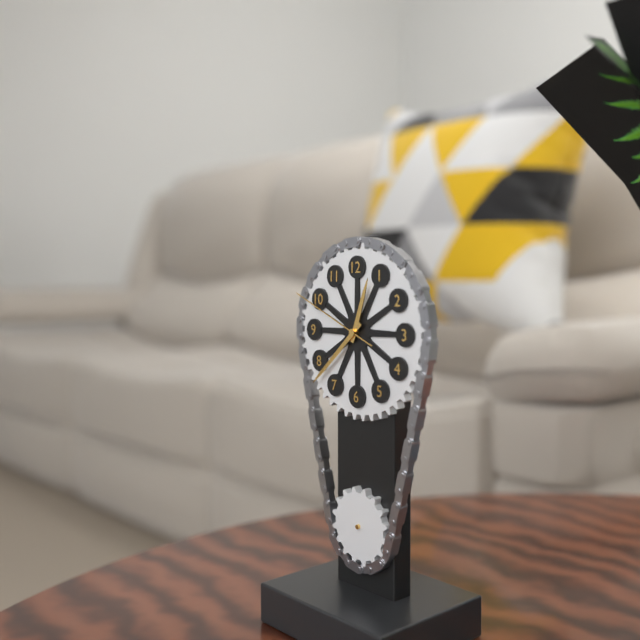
12:38:49
